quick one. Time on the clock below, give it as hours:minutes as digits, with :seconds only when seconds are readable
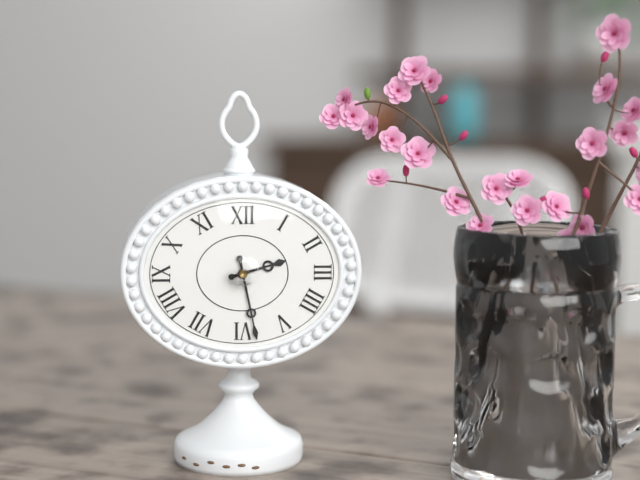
2:28
